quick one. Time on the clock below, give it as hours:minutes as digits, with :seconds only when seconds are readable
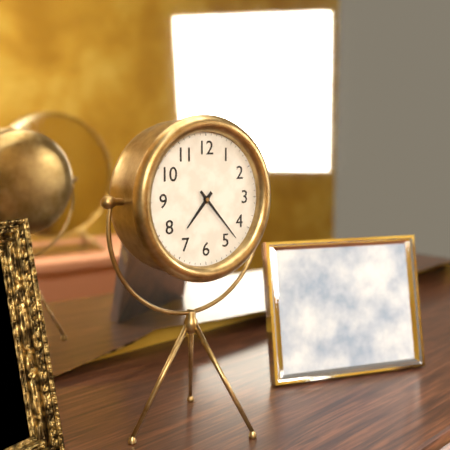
7:23
